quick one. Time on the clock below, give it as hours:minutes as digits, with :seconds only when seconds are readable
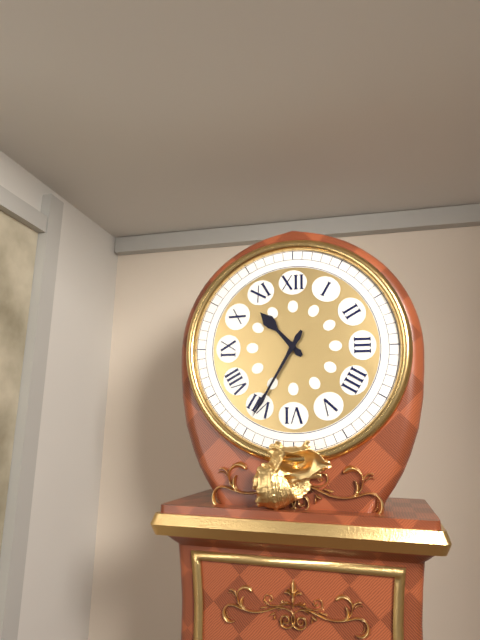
10:35
